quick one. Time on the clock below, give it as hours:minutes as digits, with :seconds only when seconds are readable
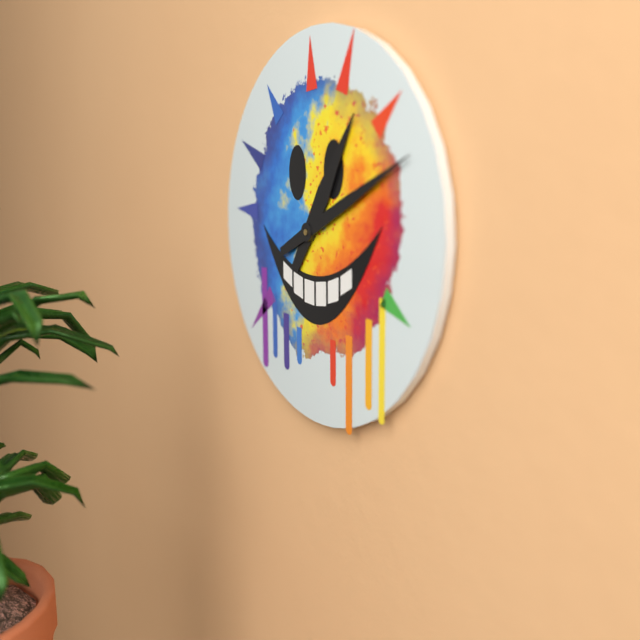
1:11
